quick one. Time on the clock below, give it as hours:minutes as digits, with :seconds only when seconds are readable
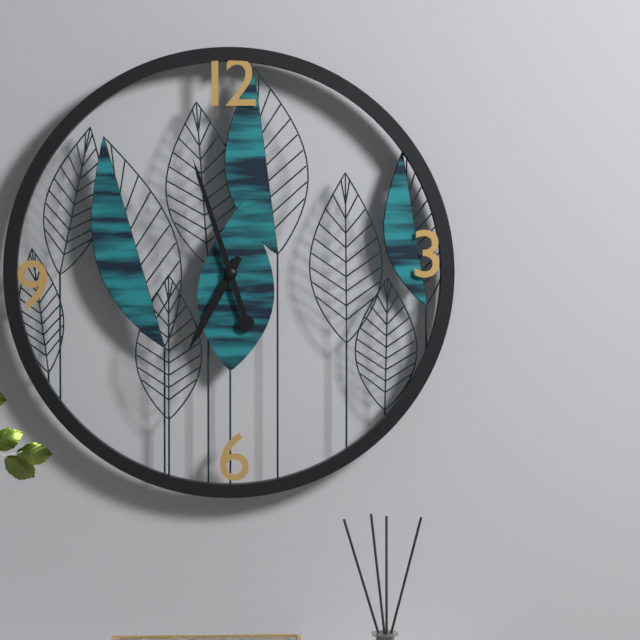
6:57
